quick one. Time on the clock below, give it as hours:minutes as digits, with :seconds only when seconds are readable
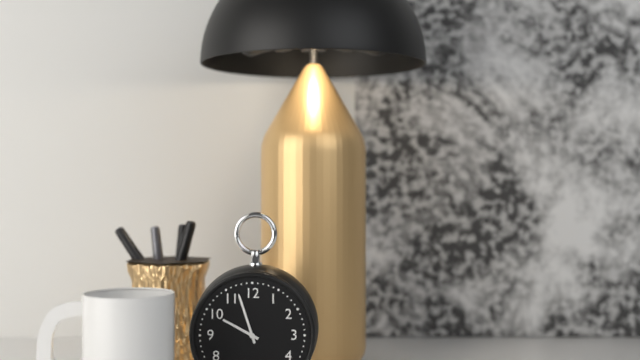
9:57
